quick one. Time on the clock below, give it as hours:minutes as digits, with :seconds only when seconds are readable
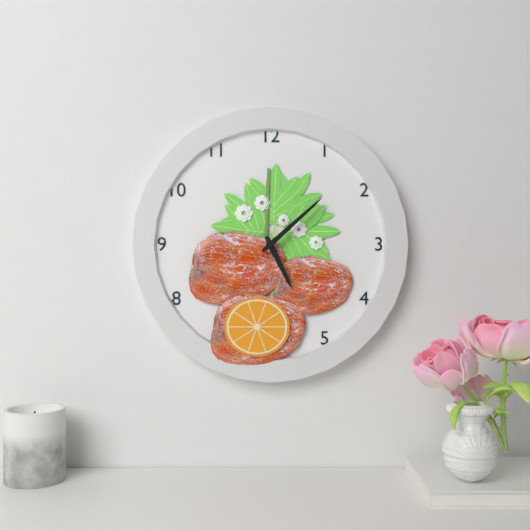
5:08
